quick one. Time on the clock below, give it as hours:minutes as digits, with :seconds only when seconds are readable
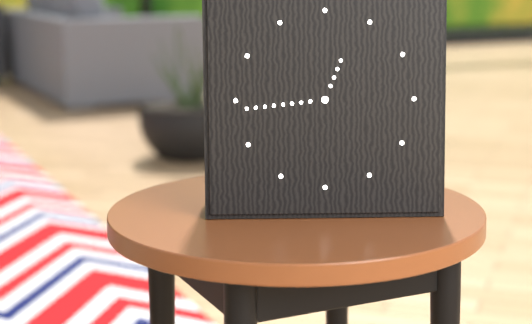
12:44
